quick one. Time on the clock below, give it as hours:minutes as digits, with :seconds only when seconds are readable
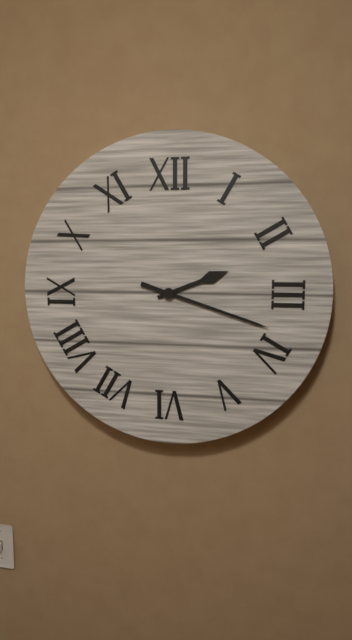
2:18
